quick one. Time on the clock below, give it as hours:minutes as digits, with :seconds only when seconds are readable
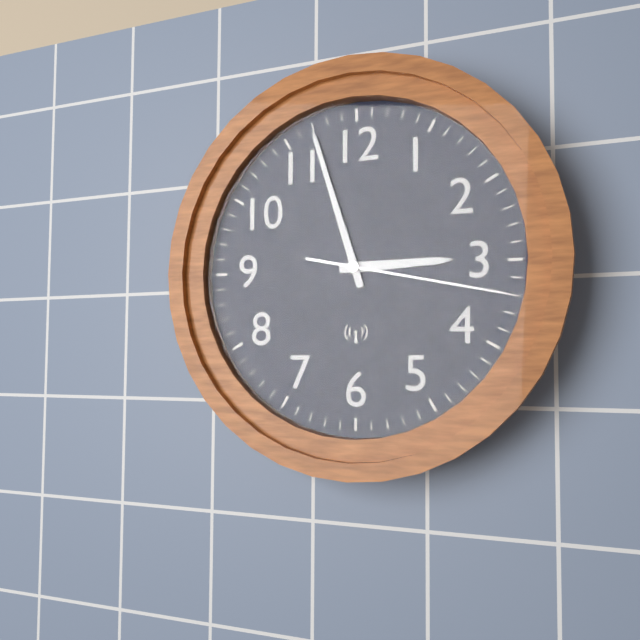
2:57:17
